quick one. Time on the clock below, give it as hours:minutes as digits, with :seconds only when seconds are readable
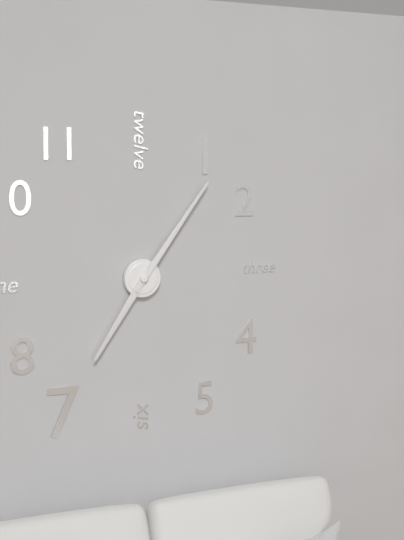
7:06
